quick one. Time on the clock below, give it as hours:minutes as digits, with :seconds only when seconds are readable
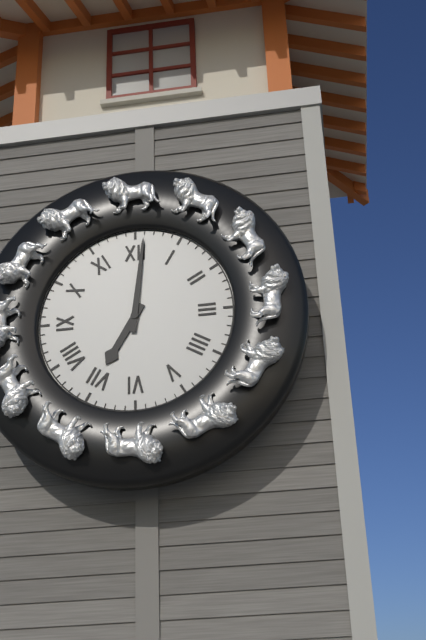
7:01
